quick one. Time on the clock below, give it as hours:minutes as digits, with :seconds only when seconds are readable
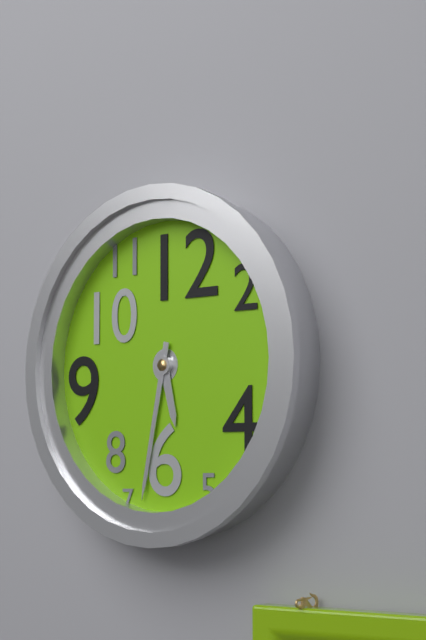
5:32
